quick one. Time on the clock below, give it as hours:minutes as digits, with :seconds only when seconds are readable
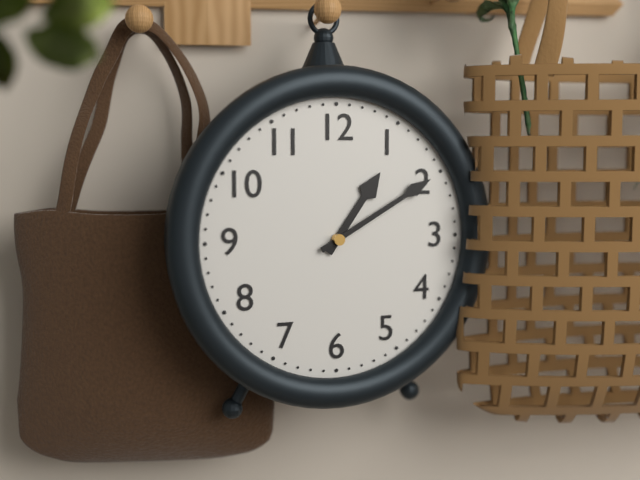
1:10
